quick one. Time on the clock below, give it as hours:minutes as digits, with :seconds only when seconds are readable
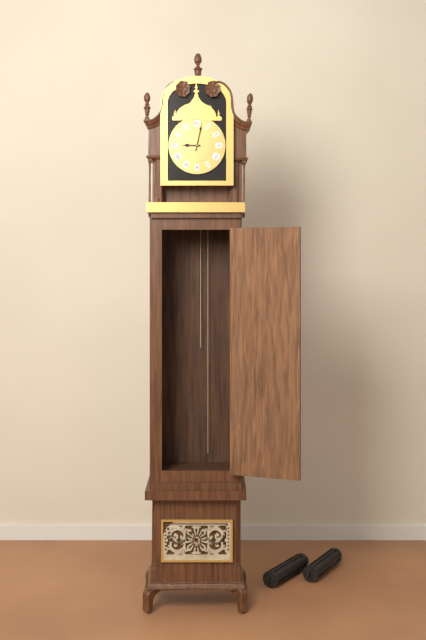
9:02
